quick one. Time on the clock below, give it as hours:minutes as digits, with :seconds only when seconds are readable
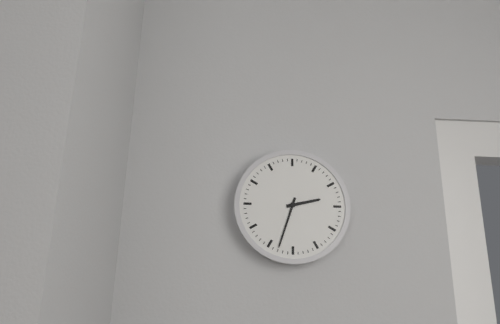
2:33
